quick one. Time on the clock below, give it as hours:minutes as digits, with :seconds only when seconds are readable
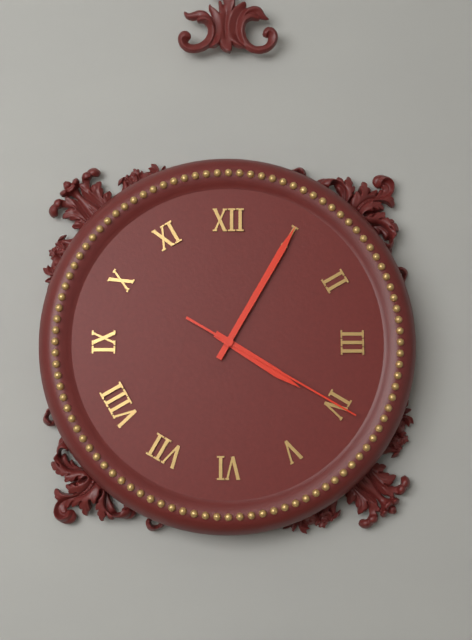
4:05:20
